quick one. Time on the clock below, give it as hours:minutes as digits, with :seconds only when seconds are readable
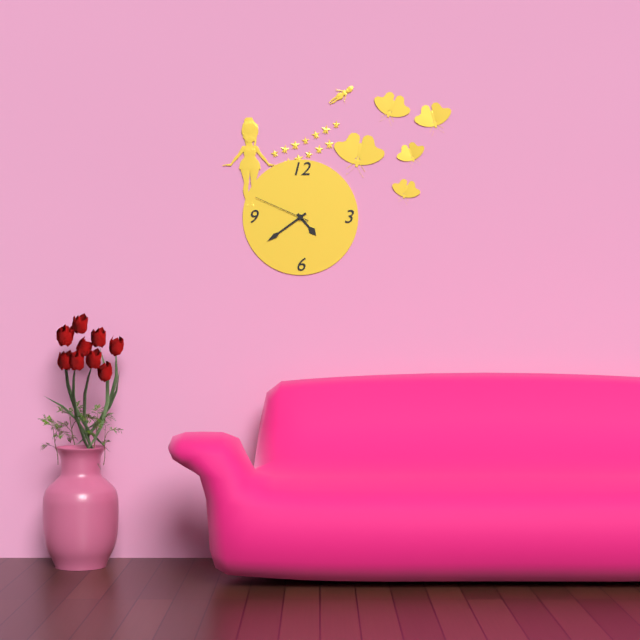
4:39:49
